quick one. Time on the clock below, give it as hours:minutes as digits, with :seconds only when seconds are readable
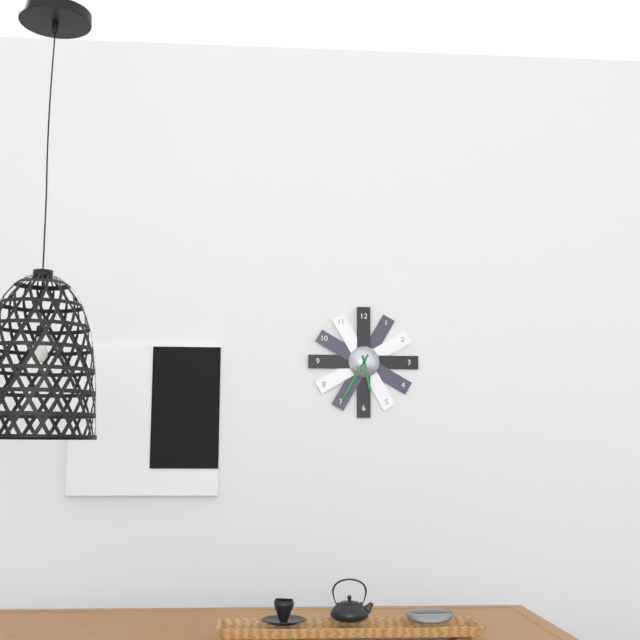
5:35
